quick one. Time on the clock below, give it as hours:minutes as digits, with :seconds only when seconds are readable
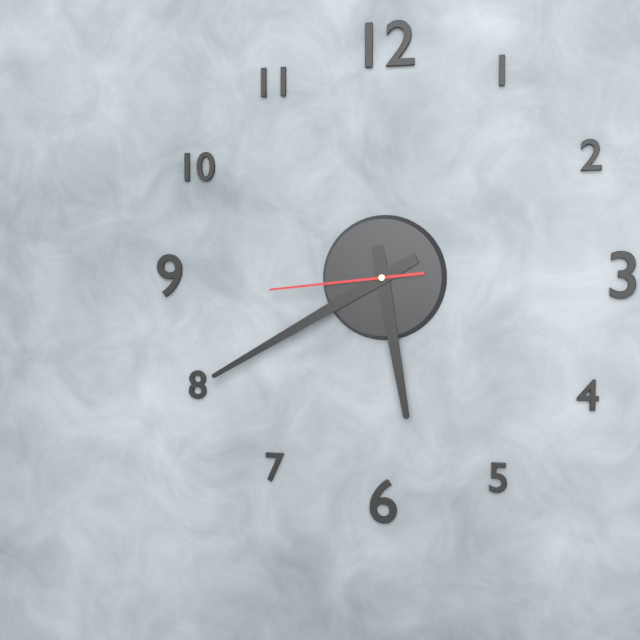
5:40:44
